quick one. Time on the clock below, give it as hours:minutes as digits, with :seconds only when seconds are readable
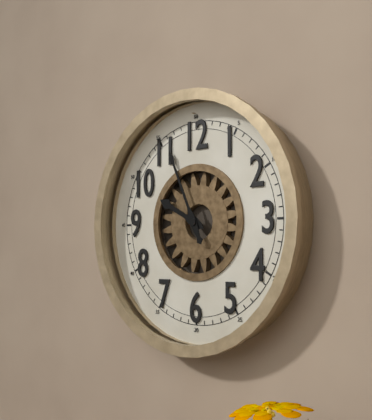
9:56
